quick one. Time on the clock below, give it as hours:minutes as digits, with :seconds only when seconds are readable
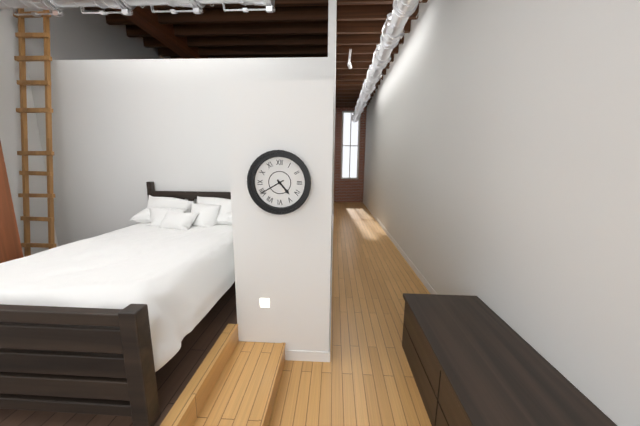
4:40
